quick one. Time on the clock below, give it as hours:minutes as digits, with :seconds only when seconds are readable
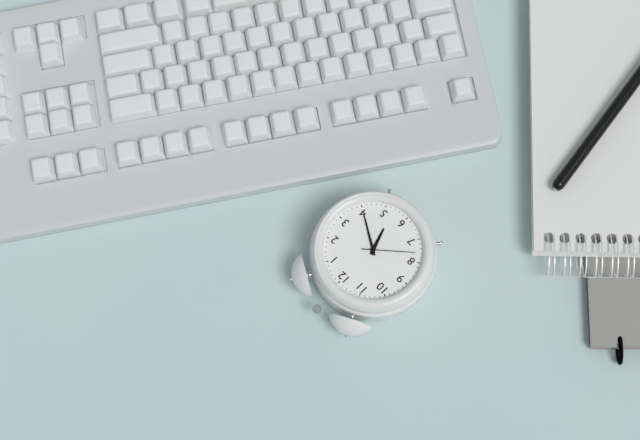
5:20:38
